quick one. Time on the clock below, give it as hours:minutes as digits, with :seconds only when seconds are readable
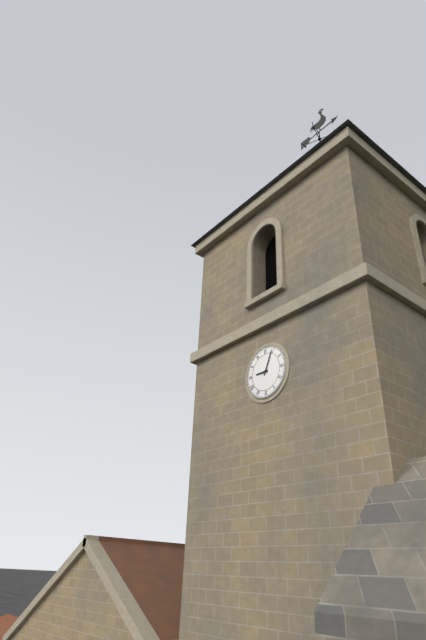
9:04
